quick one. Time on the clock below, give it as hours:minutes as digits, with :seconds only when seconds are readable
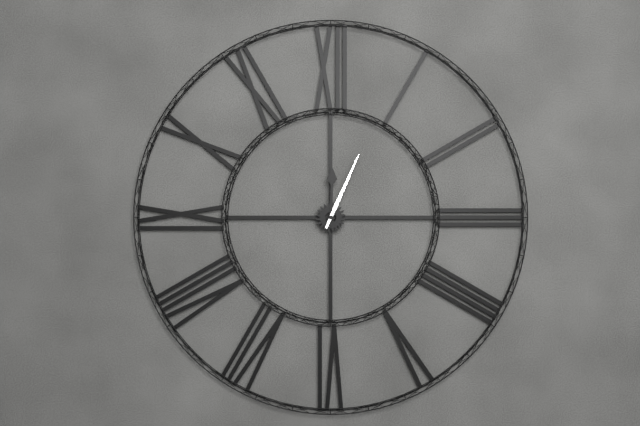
12:04
